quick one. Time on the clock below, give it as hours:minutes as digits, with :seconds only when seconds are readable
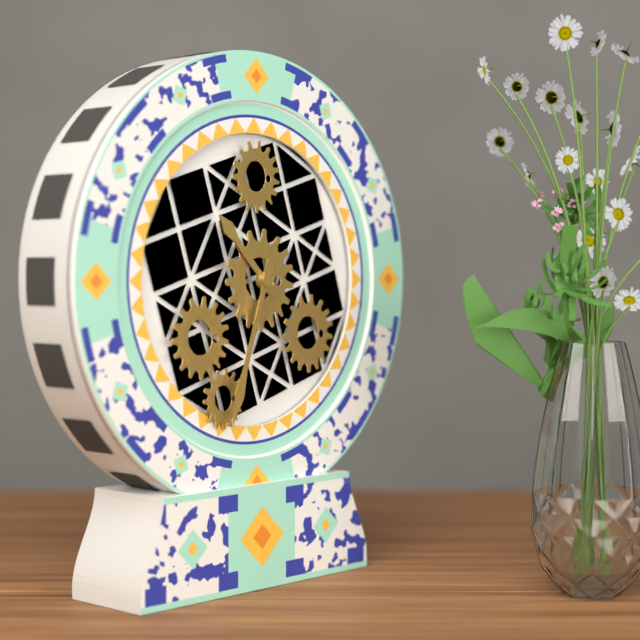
10:33
